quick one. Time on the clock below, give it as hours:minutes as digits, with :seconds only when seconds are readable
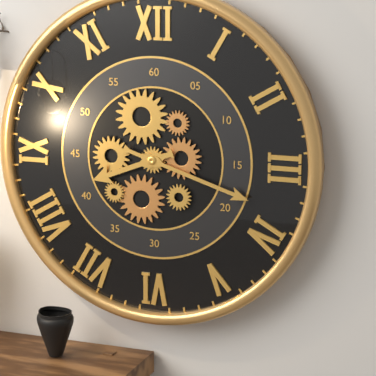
8:18
